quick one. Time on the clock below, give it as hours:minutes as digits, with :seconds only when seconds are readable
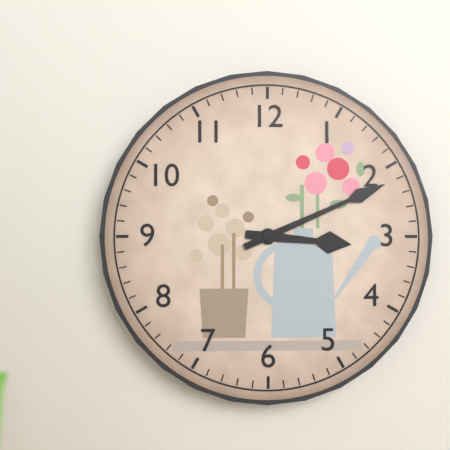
3:11
